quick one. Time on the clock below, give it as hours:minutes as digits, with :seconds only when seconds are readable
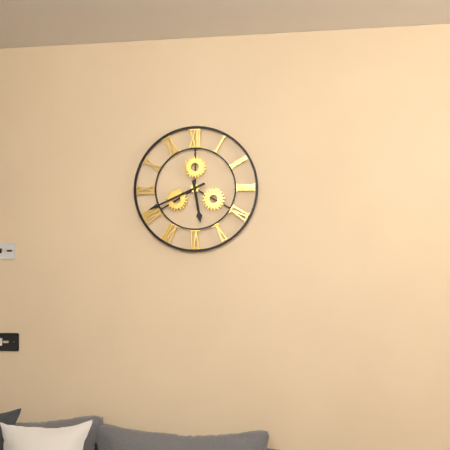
5:41
